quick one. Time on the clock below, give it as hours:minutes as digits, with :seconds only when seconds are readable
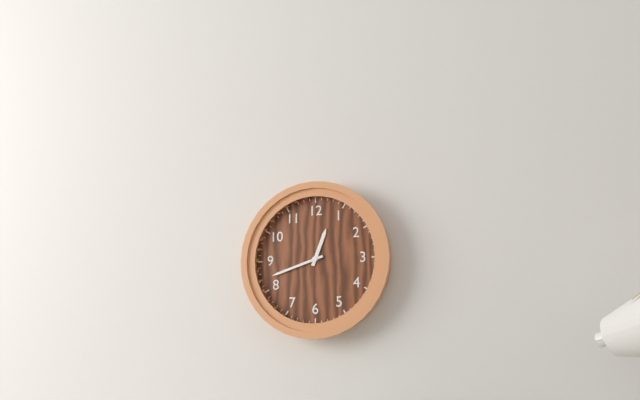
12:42
